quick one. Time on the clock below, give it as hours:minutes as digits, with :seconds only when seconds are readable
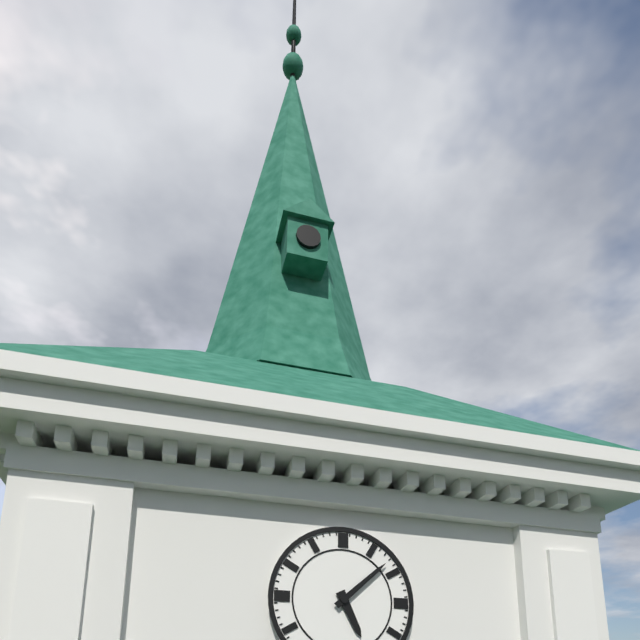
5:08
